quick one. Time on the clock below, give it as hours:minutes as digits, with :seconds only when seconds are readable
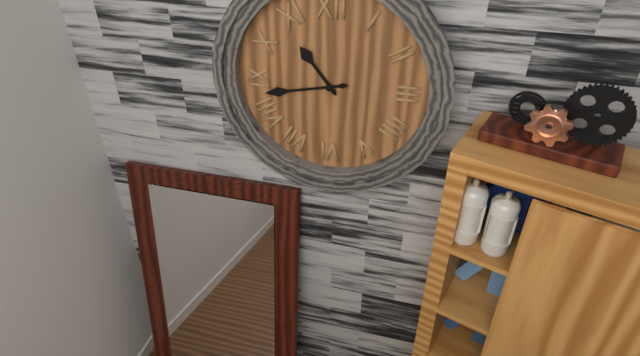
10:43
